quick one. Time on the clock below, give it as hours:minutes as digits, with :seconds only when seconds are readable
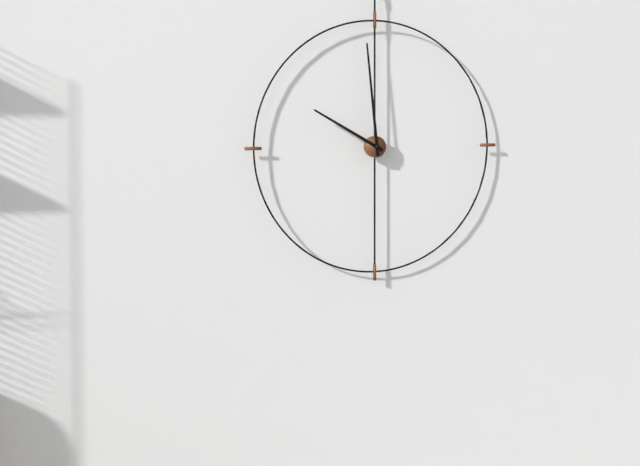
9:59
